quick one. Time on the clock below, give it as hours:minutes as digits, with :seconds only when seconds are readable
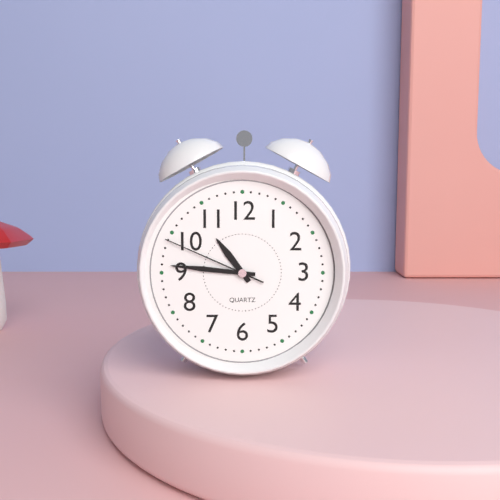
10:46:49
